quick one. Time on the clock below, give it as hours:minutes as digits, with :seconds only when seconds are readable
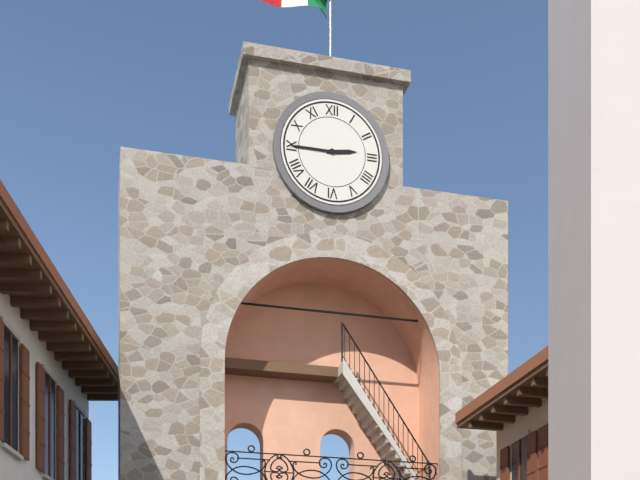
2:45
